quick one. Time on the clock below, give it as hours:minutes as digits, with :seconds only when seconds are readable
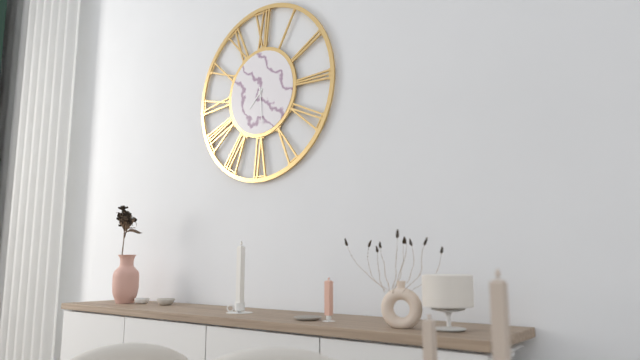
7:29
